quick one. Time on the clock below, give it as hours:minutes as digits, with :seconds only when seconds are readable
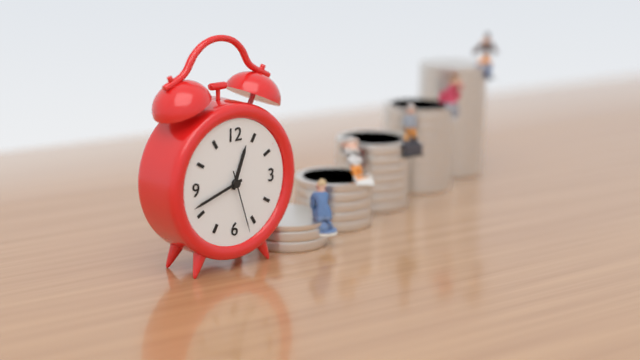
12:42:27
